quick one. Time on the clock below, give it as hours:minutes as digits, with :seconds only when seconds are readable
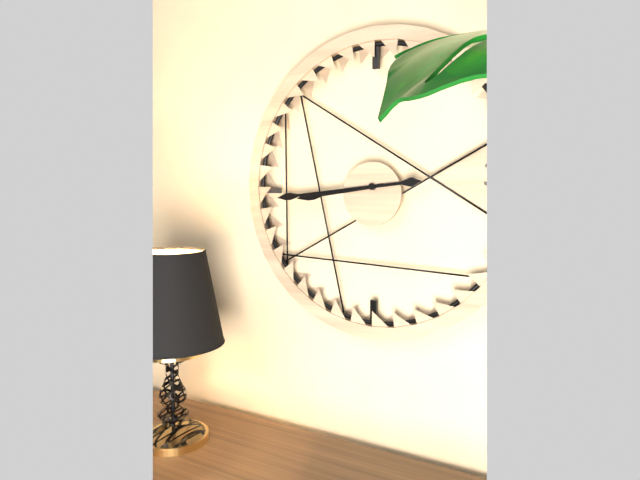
8:44
